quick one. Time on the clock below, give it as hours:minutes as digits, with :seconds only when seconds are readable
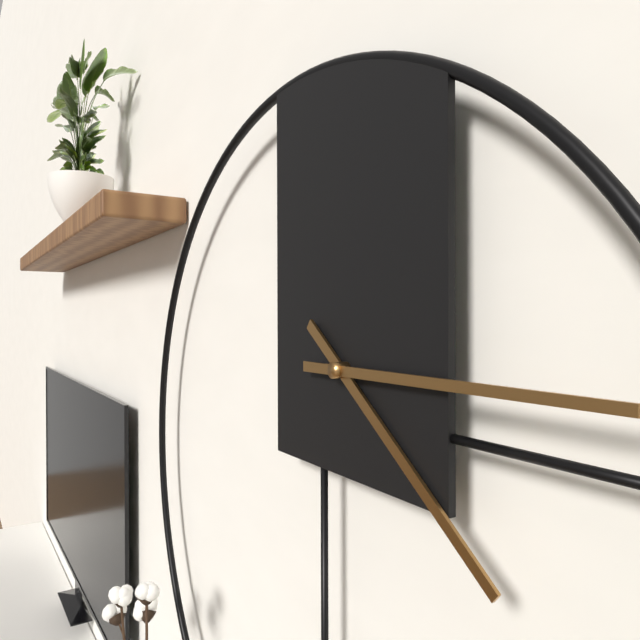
4:15
